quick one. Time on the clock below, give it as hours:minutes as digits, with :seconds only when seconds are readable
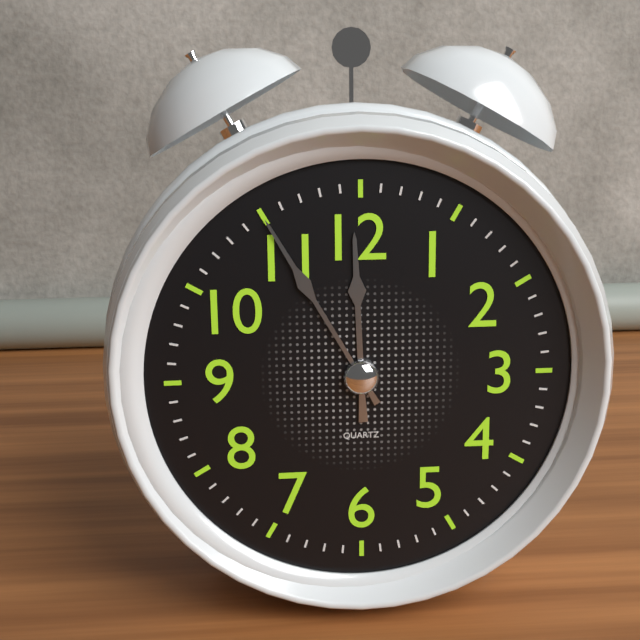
11:55
